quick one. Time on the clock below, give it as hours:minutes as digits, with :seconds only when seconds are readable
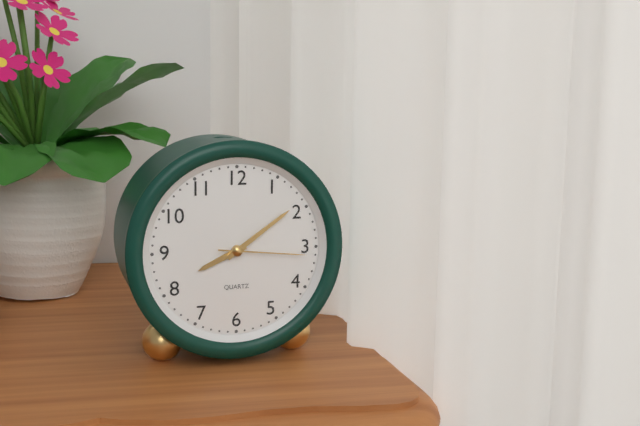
8:09:16
